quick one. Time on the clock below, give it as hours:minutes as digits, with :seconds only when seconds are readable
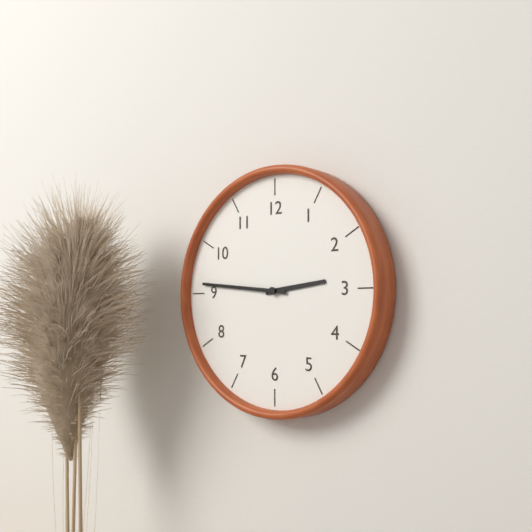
2:46
